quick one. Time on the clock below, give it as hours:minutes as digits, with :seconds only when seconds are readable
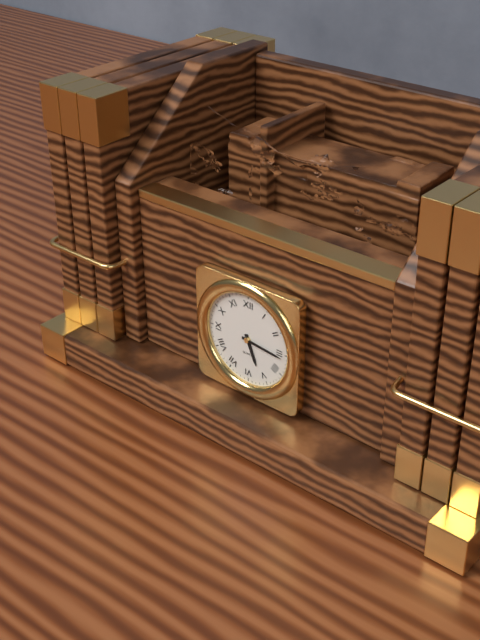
5:16
